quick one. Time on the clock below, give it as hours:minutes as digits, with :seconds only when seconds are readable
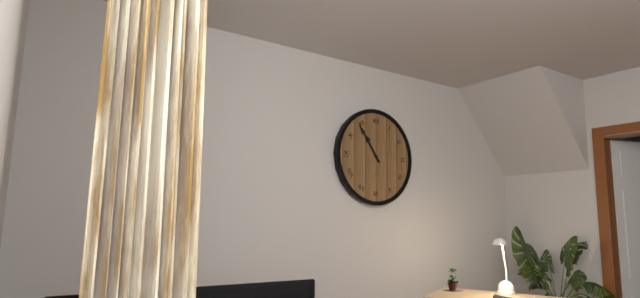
10:54
